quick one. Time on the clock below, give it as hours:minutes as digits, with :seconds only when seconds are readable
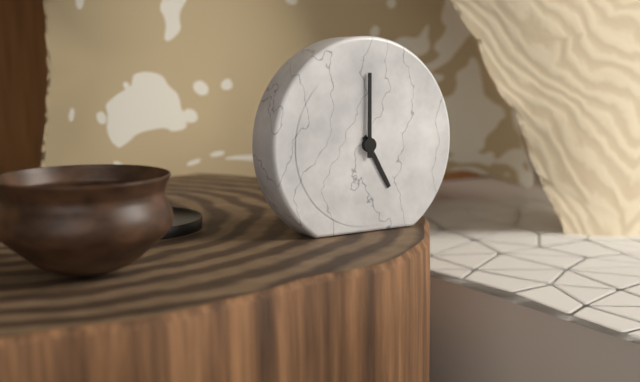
5:00
